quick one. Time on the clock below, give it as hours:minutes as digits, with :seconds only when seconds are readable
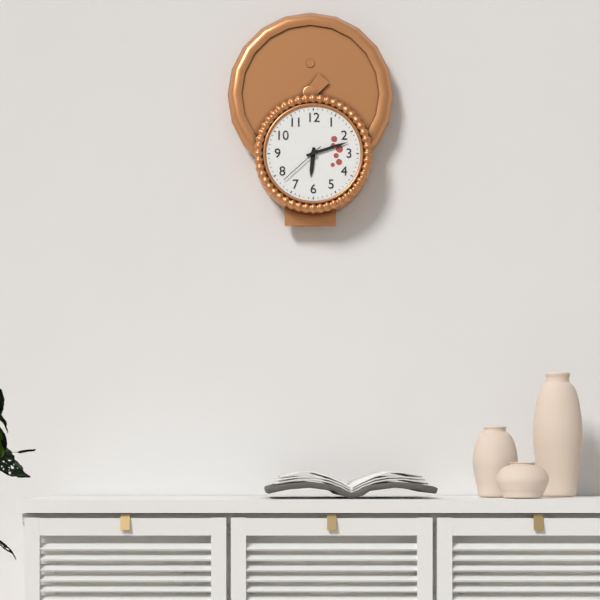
6:12
